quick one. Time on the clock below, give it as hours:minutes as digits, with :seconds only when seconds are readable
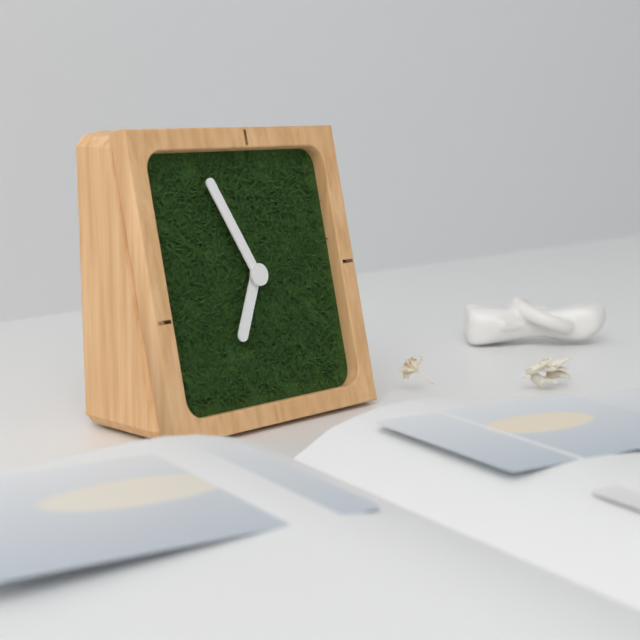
6:56
